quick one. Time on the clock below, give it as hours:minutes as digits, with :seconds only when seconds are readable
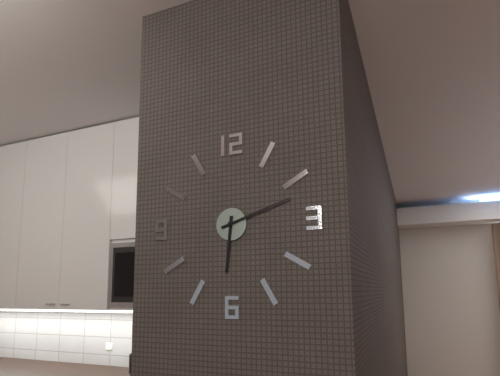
6:12
